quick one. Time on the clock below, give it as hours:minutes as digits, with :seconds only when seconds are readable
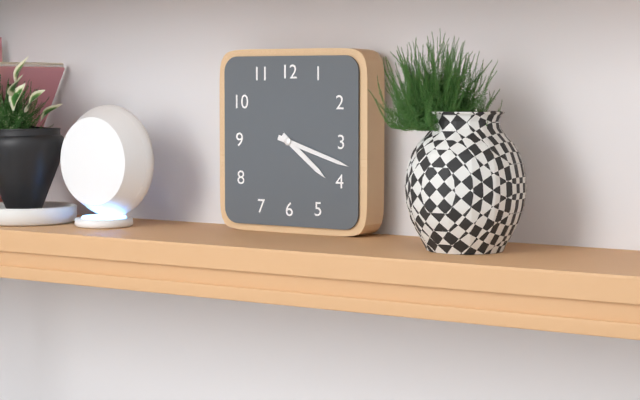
4:18
